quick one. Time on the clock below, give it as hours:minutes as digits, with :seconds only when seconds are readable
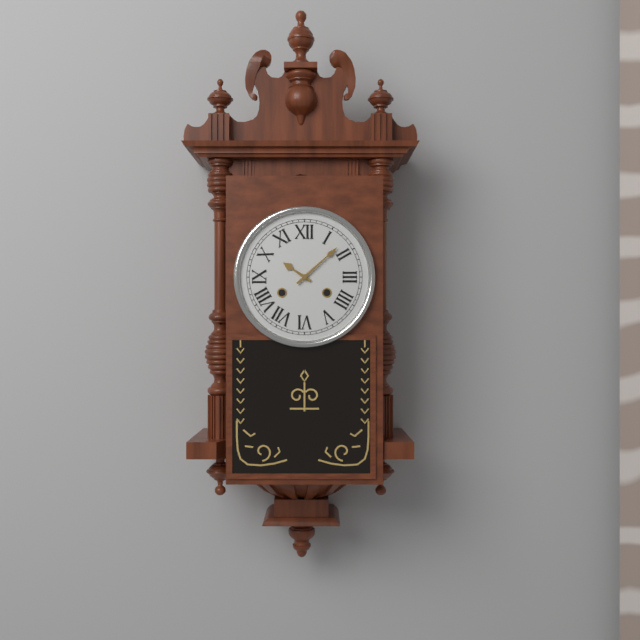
10:08
